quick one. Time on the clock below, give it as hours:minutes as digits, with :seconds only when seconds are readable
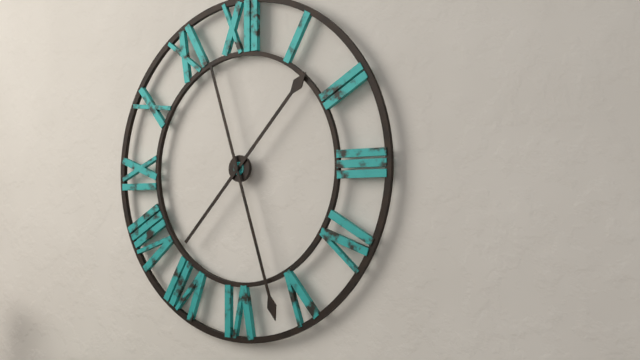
1:27
